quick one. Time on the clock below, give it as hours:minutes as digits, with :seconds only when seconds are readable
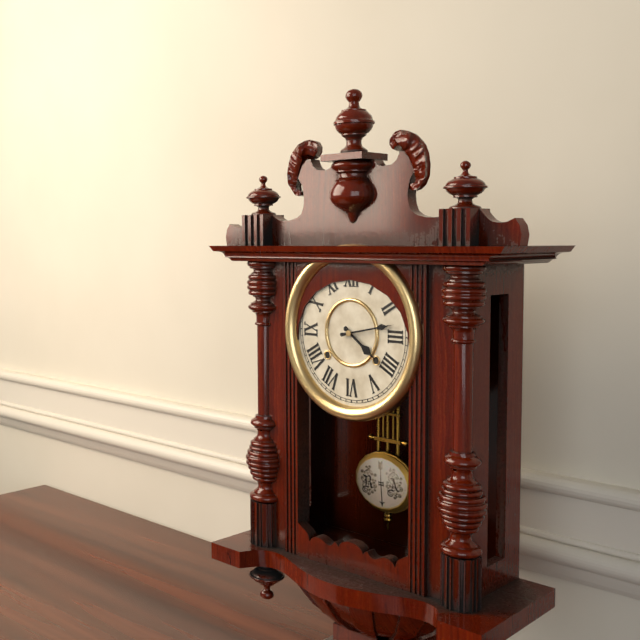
4:13
